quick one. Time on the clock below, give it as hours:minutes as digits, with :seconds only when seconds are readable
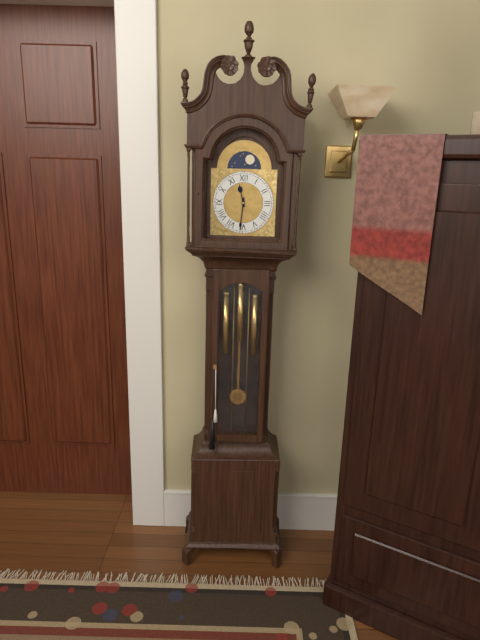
11:31
